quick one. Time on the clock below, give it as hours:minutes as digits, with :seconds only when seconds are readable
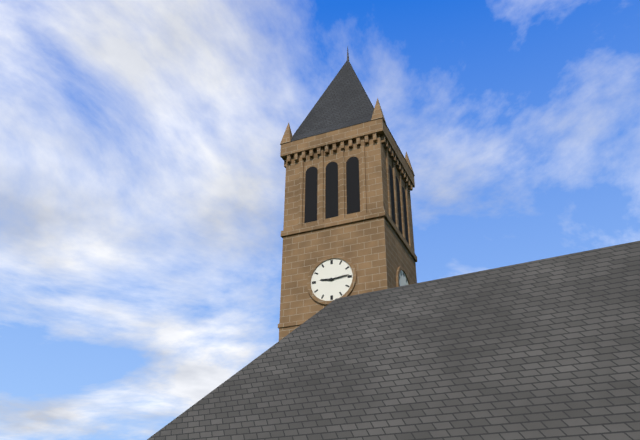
9:14
